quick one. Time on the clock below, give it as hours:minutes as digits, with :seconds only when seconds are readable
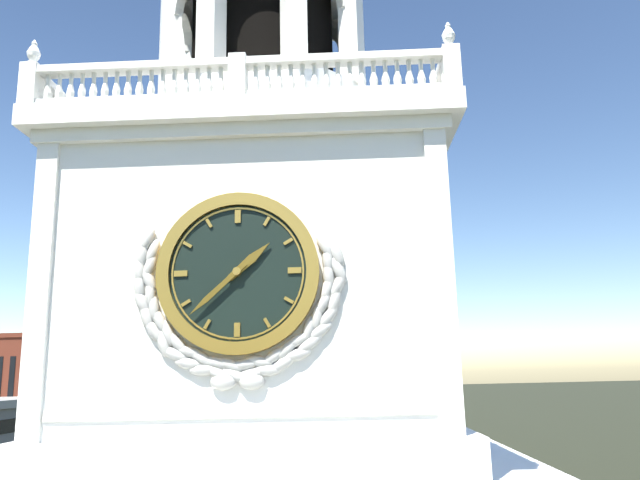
1:38
